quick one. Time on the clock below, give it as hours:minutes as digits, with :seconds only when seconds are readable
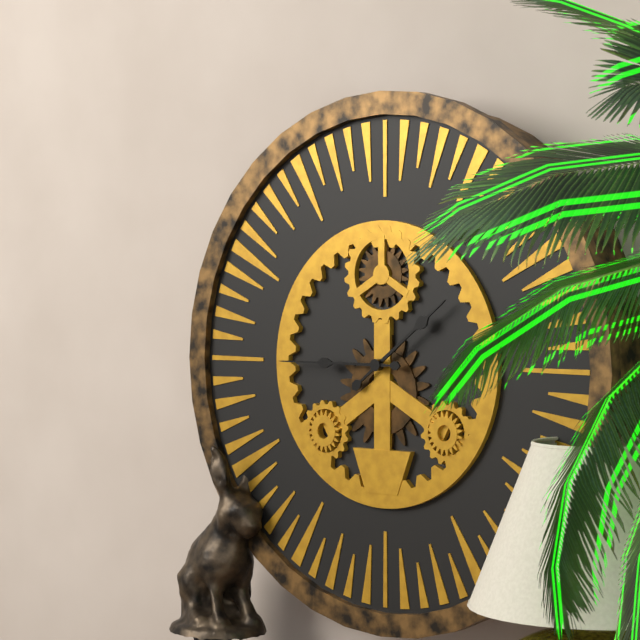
1:45
